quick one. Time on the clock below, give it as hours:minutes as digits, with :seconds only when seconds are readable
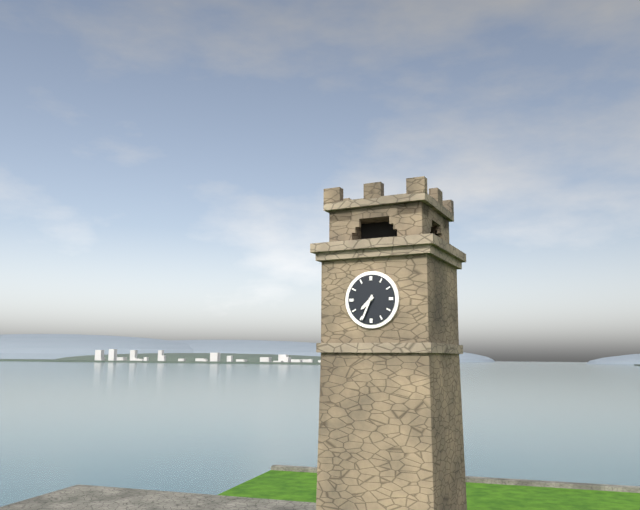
7:34
